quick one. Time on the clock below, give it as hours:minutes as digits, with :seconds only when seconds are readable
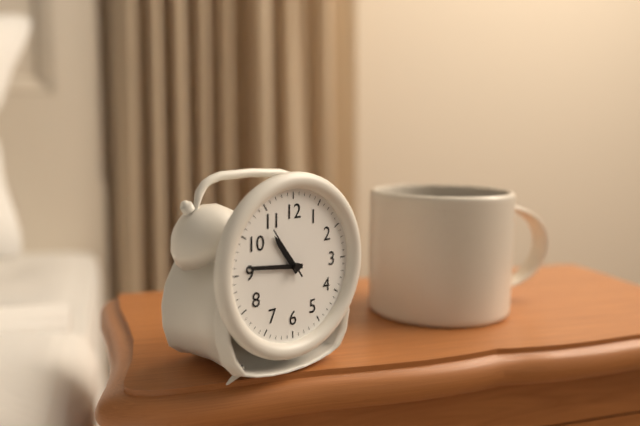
10:46:54
